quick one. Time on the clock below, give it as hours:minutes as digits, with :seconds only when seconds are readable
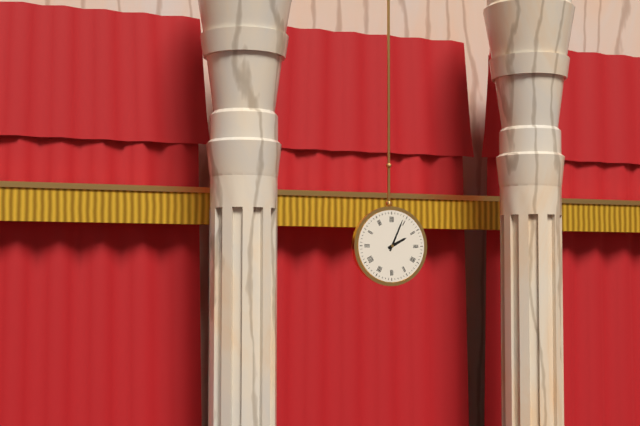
2:04
